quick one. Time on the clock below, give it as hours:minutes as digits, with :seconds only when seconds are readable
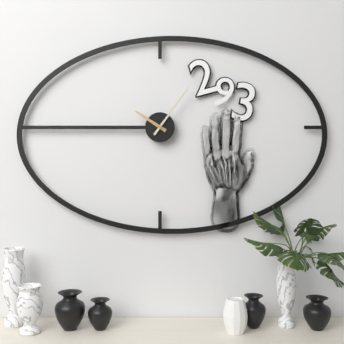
10:06
